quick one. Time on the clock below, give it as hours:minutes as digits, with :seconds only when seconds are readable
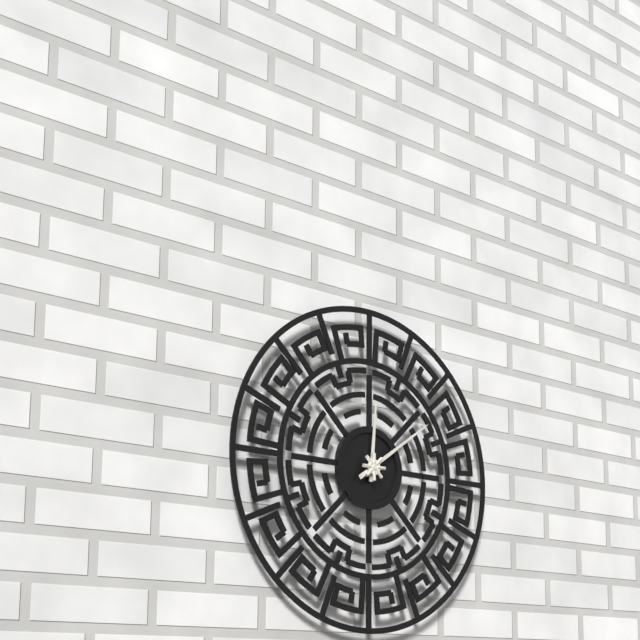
12:09
